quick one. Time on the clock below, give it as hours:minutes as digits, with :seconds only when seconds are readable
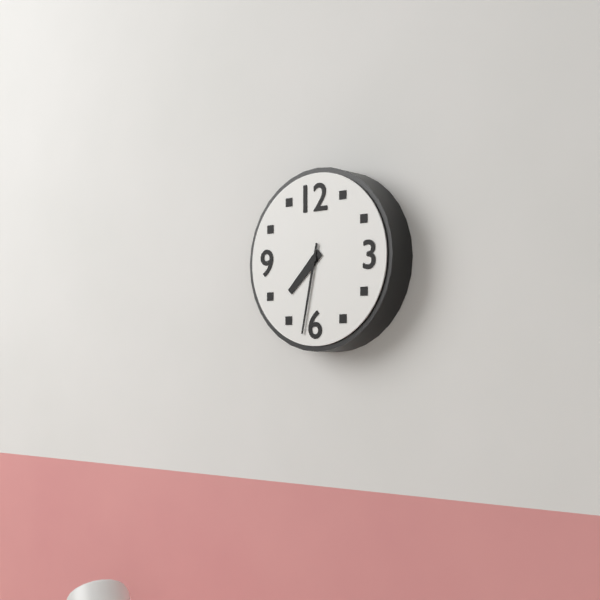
7:32
